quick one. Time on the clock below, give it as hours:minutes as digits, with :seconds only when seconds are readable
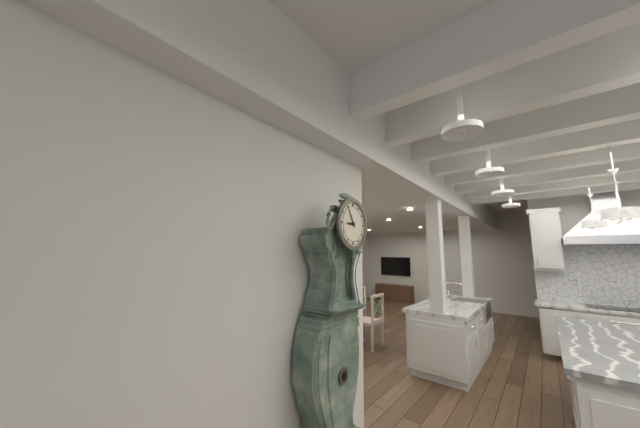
8:55
